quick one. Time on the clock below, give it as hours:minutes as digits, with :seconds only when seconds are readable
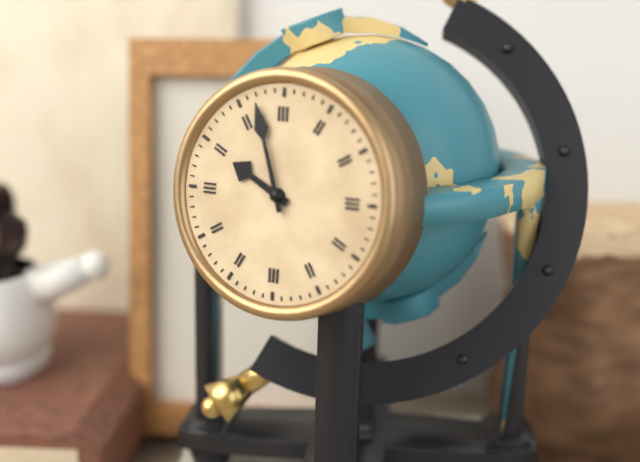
9:57
